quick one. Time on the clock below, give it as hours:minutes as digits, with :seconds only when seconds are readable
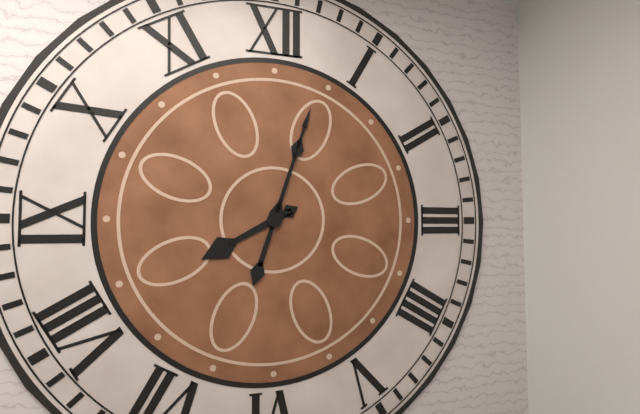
8:03
